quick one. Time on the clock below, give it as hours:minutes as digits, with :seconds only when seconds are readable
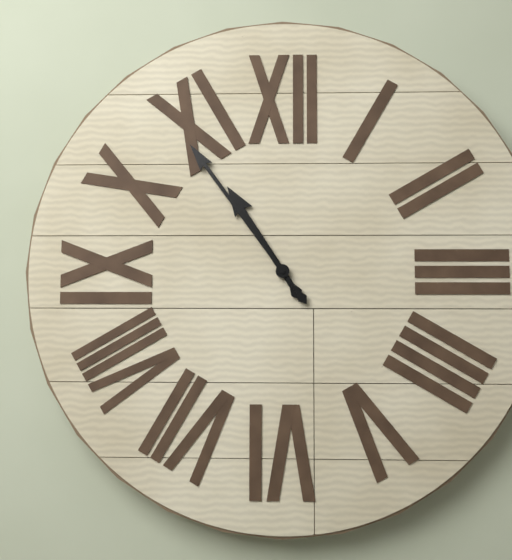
10:54
